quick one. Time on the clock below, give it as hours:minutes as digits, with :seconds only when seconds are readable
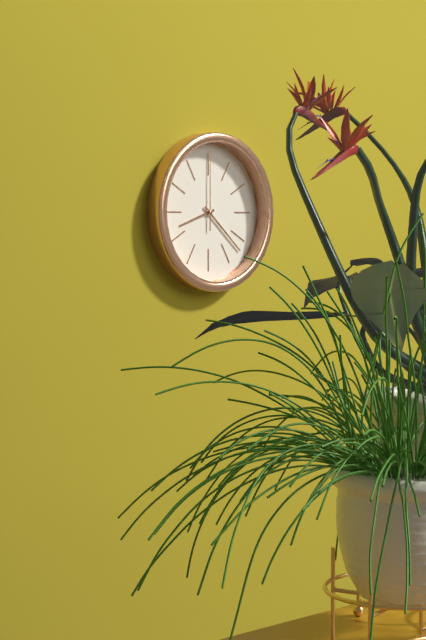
8:22:00
